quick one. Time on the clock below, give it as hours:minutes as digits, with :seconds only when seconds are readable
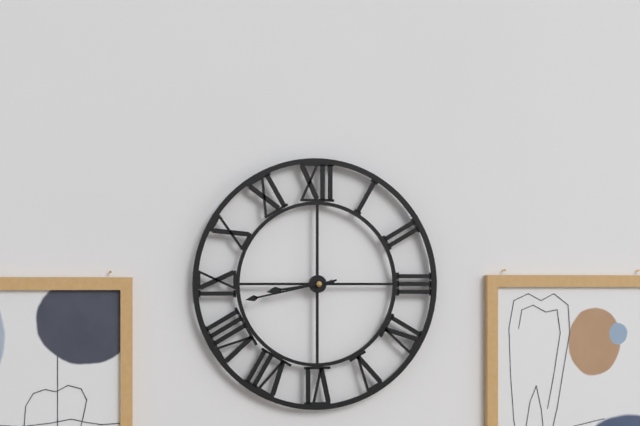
8:43
